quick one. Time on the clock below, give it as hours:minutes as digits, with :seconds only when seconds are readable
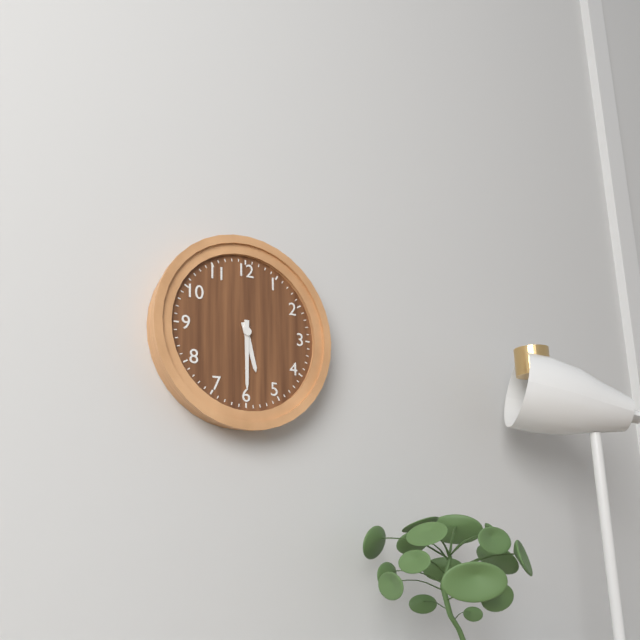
5:30
